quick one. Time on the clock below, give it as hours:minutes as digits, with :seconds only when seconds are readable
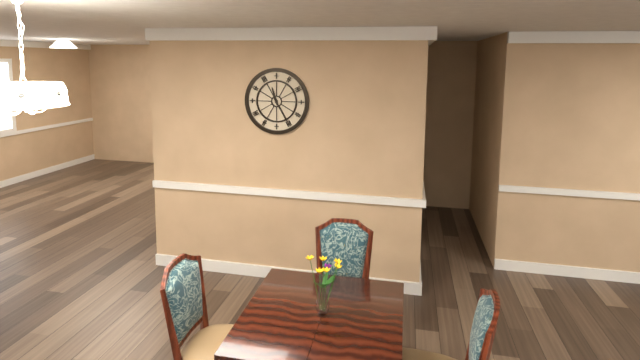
11:25
